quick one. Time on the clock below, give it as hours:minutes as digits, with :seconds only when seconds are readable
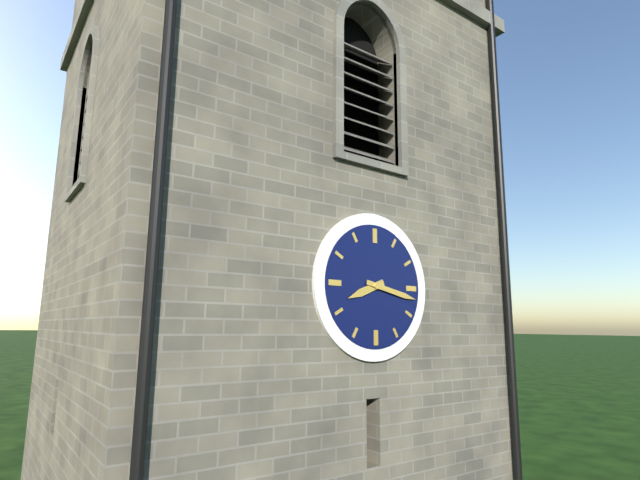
8:17
